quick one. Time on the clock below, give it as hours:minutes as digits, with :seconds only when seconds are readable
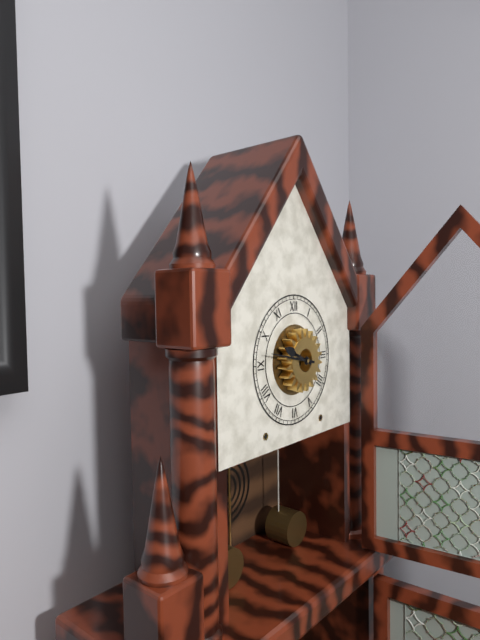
9:47
